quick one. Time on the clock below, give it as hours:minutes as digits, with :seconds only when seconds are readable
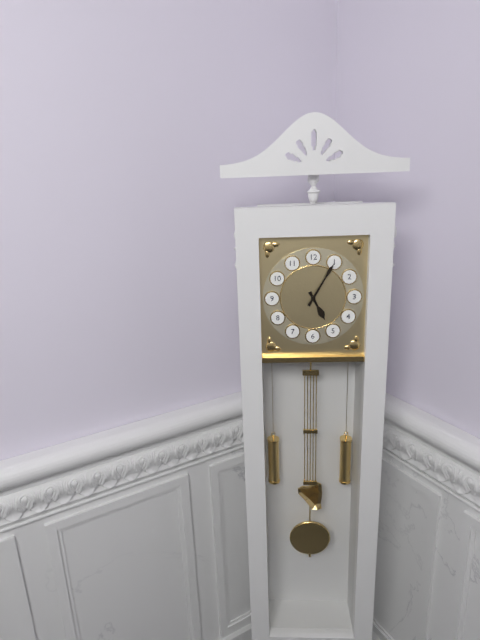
5:05
